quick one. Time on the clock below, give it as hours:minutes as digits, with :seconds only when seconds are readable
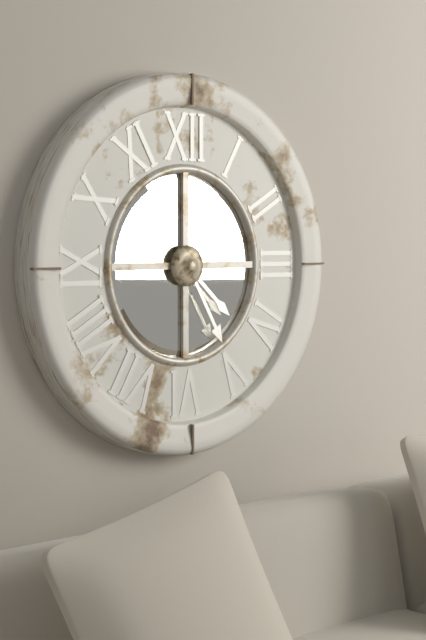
4:25
